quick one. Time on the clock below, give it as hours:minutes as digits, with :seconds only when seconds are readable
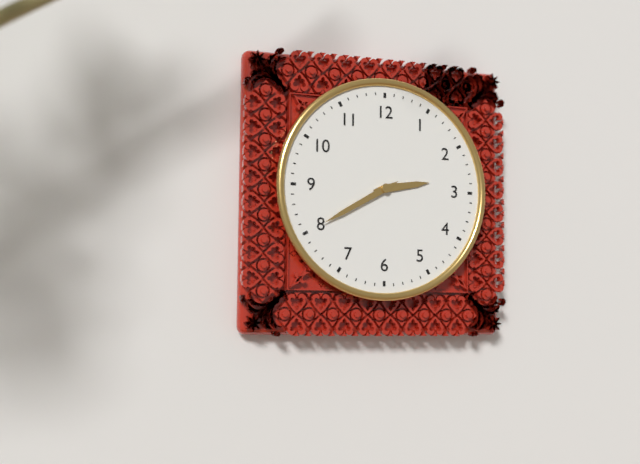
2:40
